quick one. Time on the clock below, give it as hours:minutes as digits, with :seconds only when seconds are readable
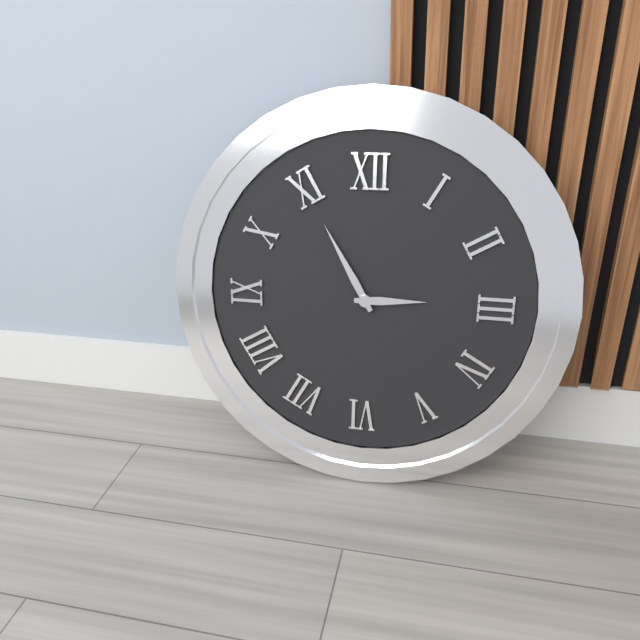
2:55
